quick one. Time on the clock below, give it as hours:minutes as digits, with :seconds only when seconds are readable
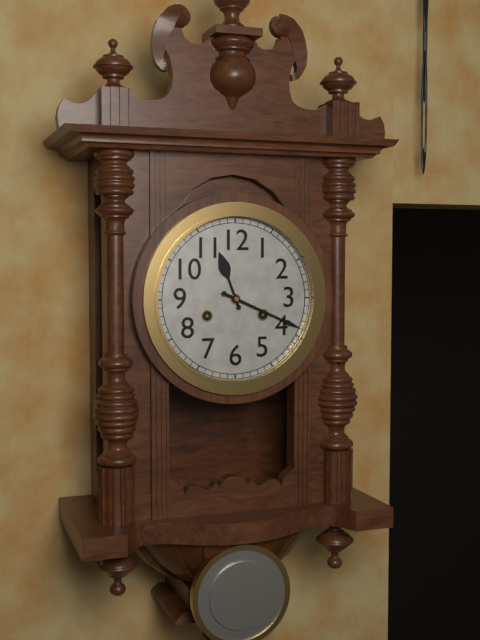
11:19
